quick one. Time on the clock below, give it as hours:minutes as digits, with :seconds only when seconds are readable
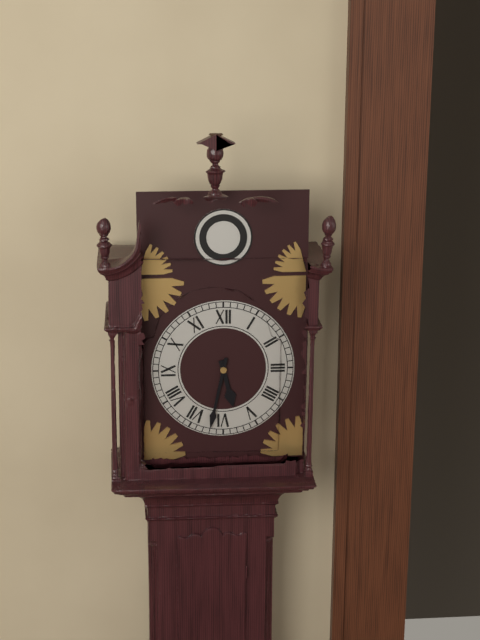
5:32
